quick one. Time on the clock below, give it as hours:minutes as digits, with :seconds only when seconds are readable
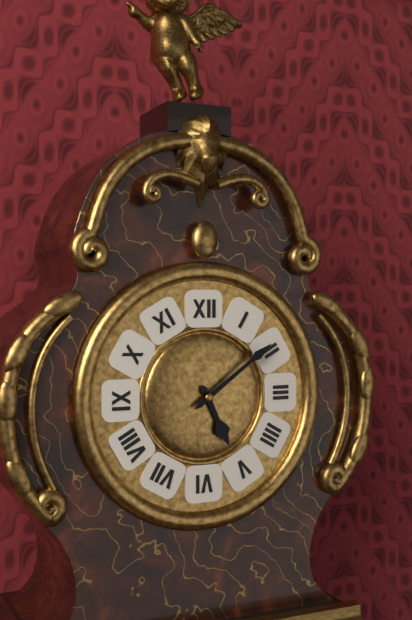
5:09
